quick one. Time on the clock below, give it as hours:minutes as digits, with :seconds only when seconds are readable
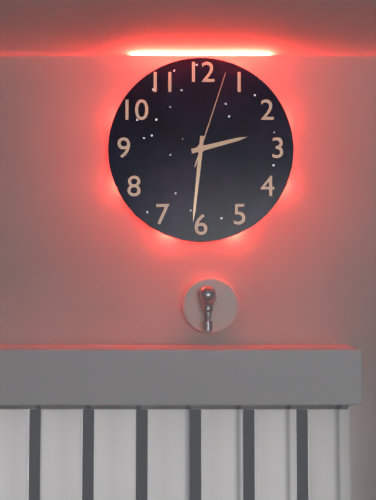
2:31:03
